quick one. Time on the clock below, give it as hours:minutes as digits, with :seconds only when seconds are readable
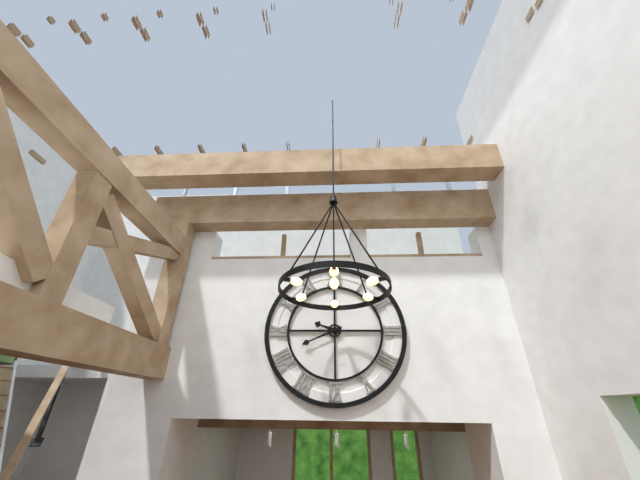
9:41
